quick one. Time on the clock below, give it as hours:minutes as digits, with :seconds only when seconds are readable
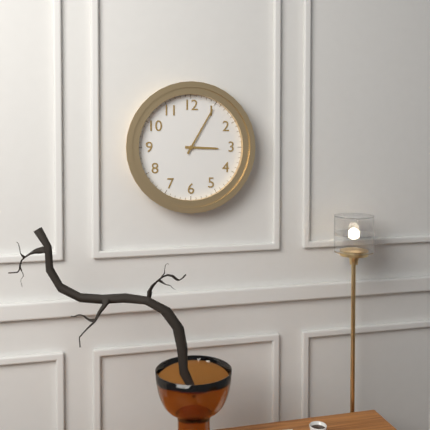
3:05
